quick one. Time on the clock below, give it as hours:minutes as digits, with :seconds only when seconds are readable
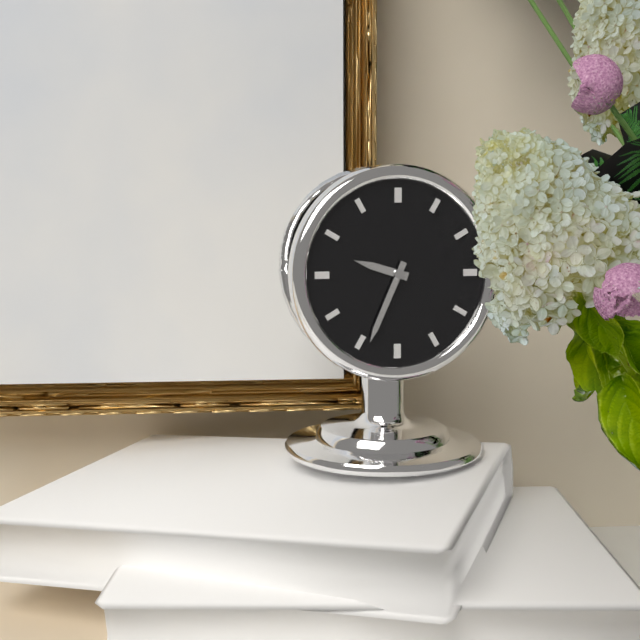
9:34
